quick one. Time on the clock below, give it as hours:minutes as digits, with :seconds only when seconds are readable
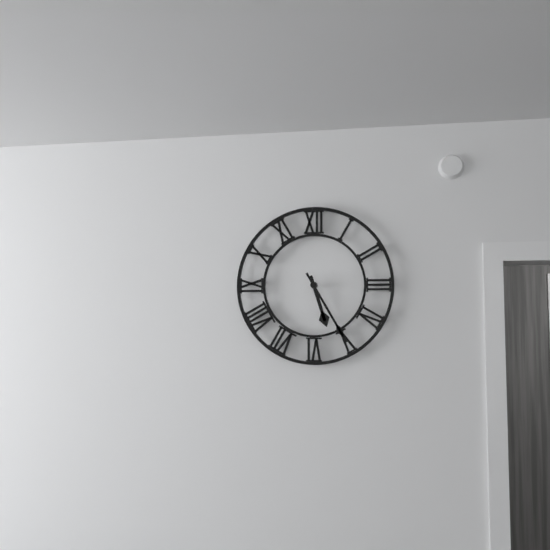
5:25
